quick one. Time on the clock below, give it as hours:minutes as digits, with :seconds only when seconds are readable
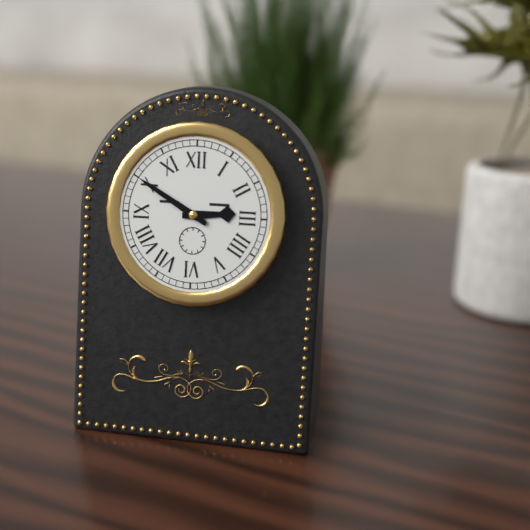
2:50
